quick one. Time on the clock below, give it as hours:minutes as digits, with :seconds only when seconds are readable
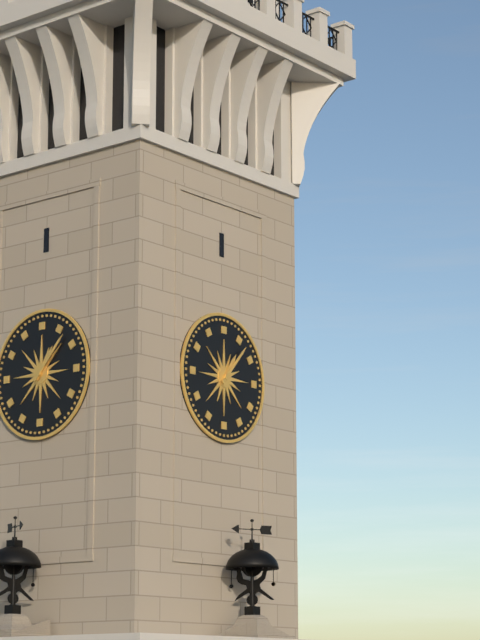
1:07
